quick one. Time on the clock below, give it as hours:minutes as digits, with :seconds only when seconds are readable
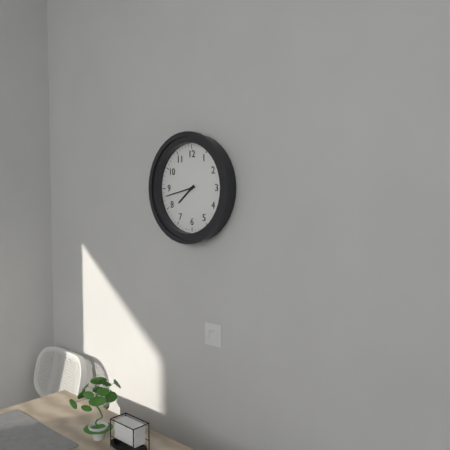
7:43
